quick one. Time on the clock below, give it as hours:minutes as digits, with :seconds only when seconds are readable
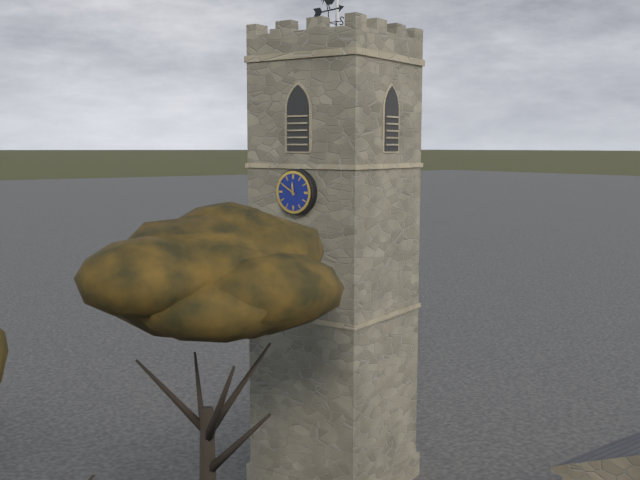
11:50
